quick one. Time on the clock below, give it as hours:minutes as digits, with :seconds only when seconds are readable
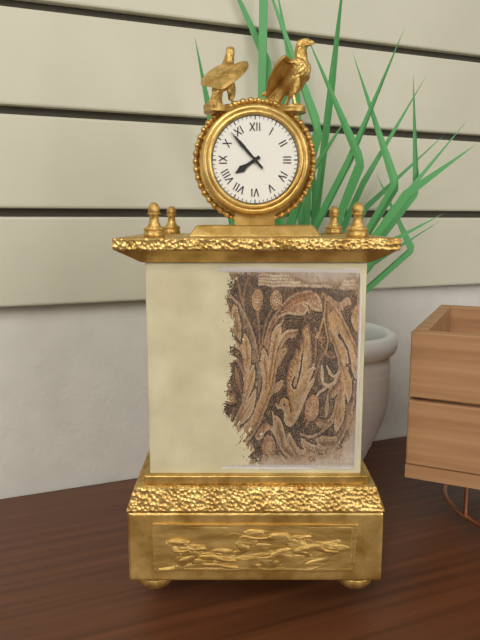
7:53
